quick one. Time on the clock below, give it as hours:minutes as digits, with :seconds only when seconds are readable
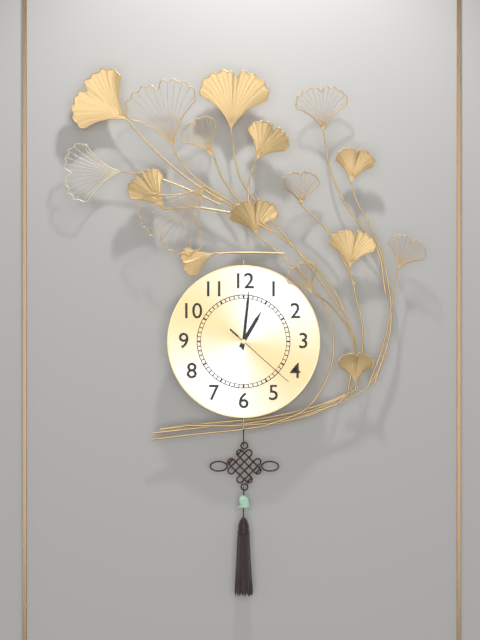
1:01:22
